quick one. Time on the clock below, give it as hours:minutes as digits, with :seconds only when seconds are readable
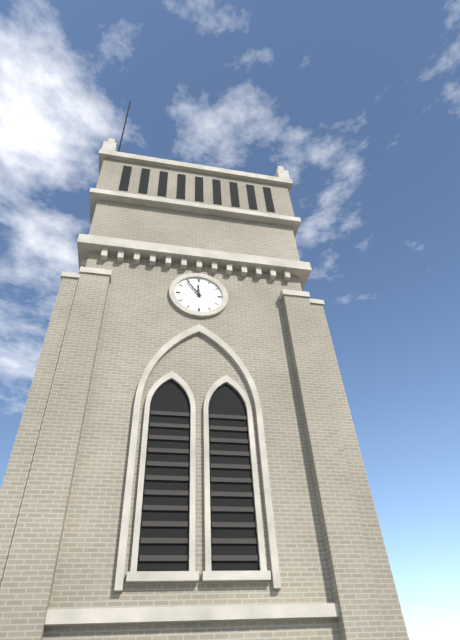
11:54
